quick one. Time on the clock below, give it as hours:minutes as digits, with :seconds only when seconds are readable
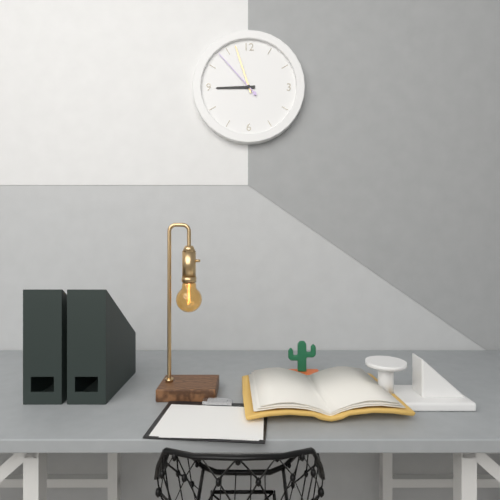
8:57:53
